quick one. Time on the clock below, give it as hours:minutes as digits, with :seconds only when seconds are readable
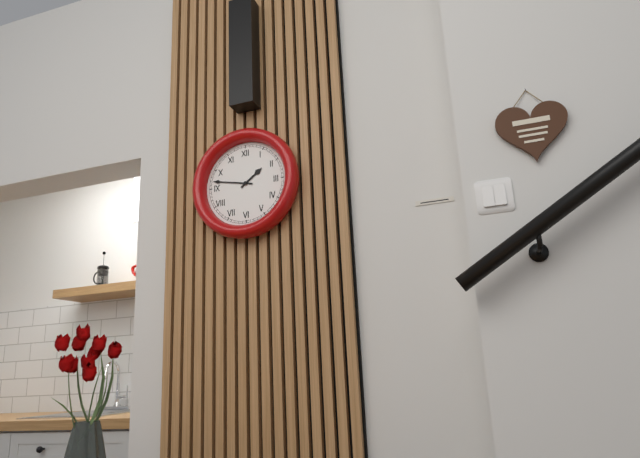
1:47
